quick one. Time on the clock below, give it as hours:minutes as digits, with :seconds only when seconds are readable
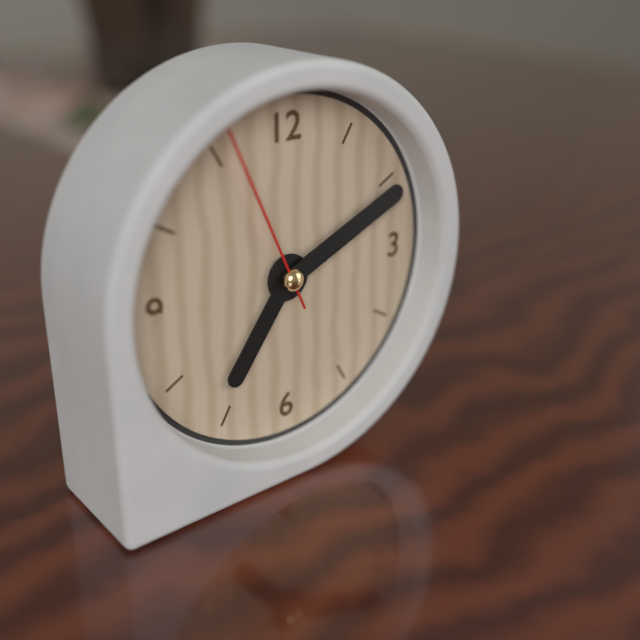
7:11:56
